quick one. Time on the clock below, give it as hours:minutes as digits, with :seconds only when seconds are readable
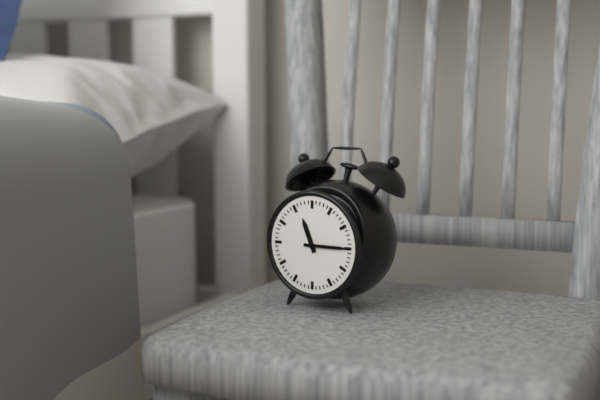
11:15
